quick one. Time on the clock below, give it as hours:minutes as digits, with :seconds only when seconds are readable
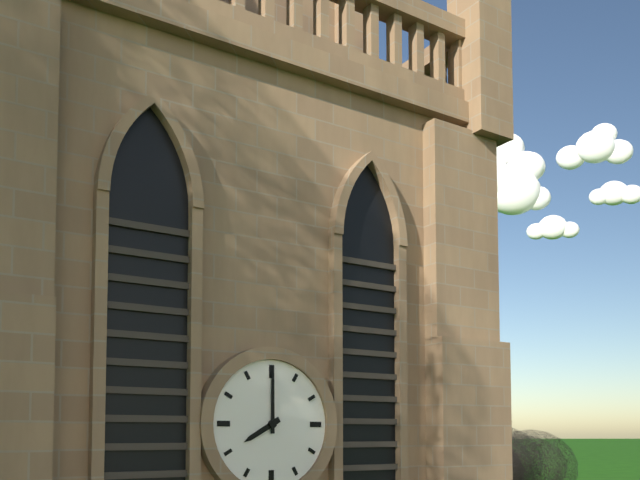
8:00
